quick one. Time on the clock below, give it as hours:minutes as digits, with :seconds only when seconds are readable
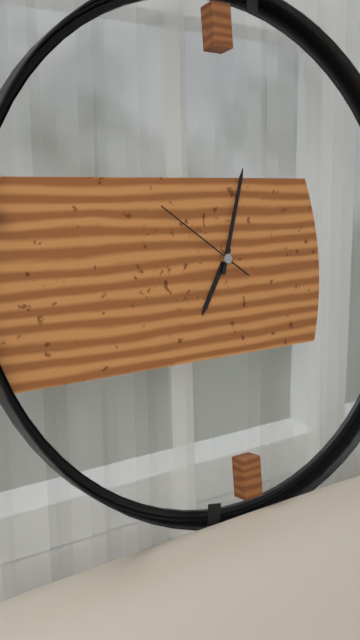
7:03:51
